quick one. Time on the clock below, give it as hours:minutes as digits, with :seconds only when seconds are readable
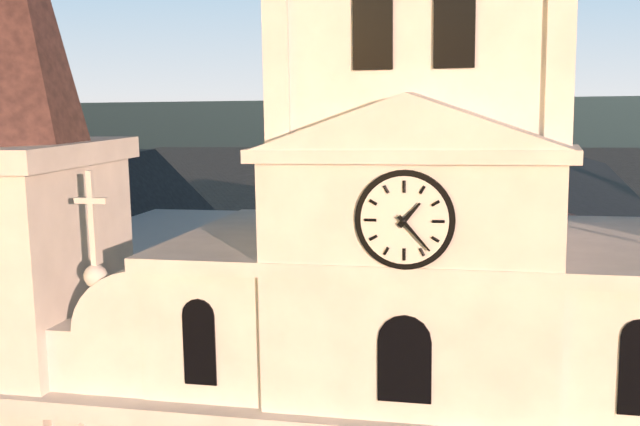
1:23
